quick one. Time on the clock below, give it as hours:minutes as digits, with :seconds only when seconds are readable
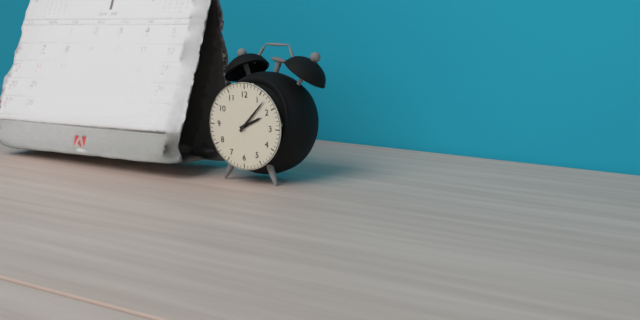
2:07
